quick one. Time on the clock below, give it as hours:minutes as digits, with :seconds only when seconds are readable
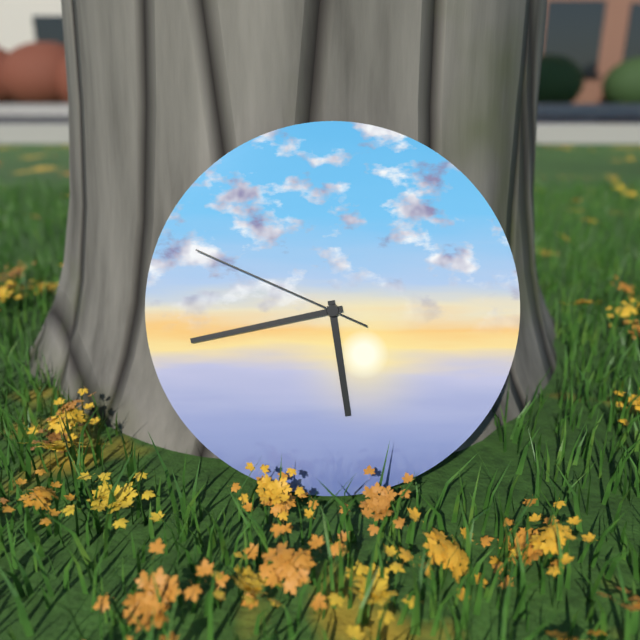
5:43:49
